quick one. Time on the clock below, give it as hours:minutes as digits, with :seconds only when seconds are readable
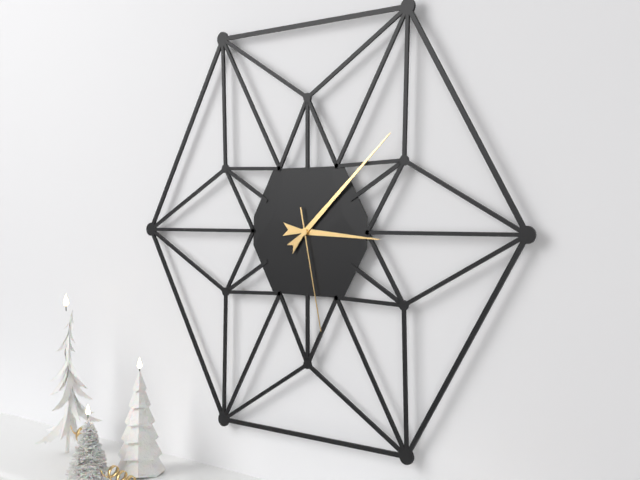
3:08:28
